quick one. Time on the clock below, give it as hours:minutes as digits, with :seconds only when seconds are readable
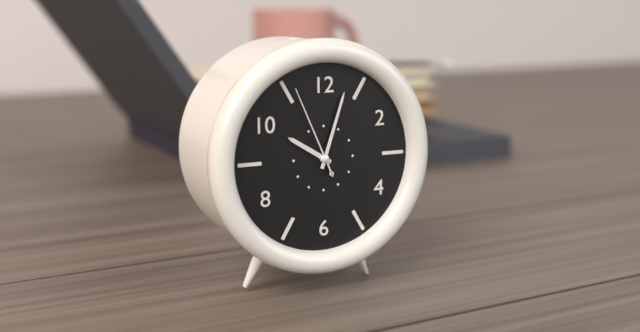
10:03:56
